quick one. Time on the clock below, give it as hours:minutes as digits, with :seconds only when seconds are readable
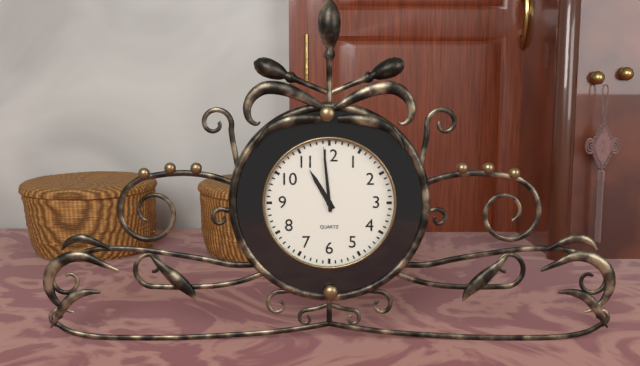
10:59
